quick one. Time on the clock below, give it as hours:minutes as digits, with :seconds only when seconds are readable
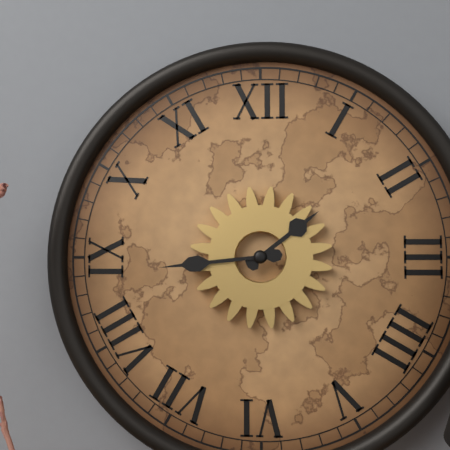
1:44
